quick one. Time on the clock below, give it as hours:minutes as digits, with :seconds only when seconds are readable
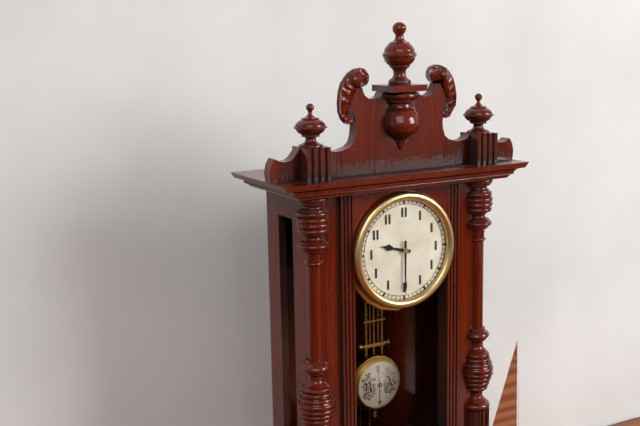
9:30
